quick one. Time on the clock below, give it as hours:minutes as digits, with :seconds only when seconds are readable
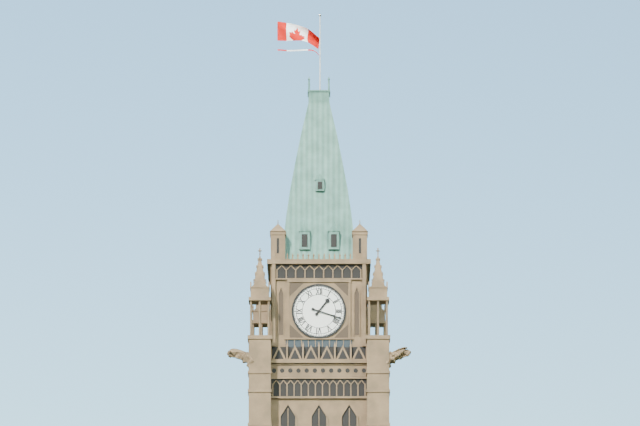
1:18
